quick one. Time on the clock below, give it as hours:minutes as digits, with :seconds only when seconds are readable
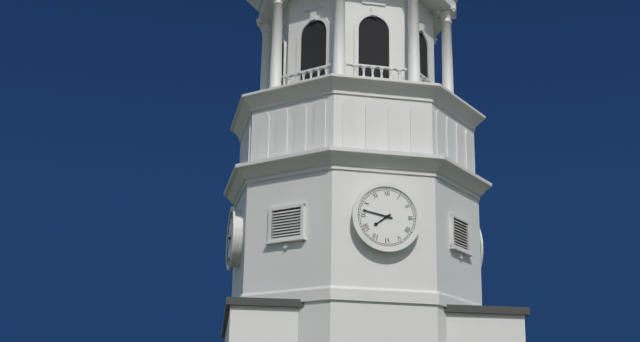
7:47
